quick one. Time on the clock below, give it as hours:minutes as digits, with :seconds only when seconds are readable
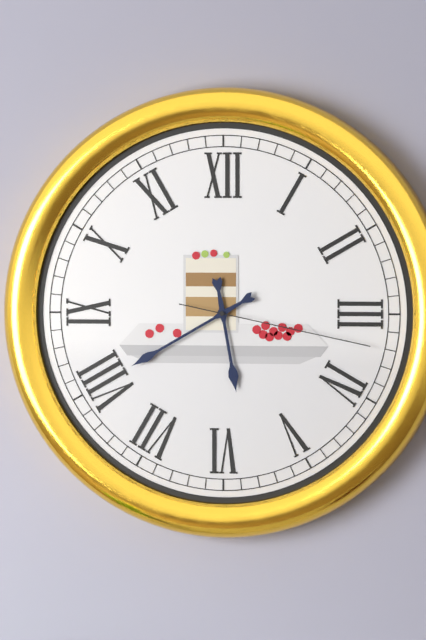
5:40:17
